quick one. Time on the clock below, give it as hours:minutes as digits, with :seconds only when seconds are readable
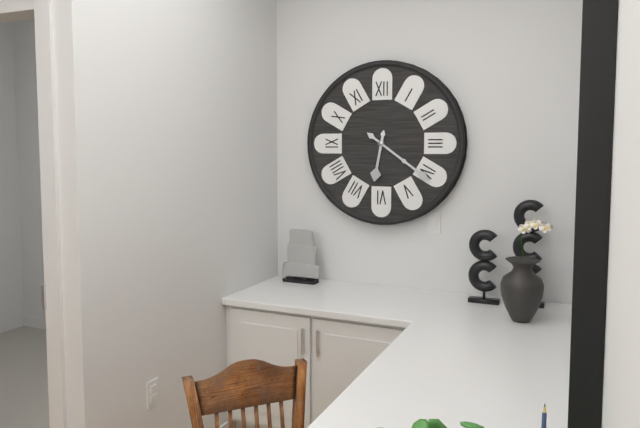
6:21
